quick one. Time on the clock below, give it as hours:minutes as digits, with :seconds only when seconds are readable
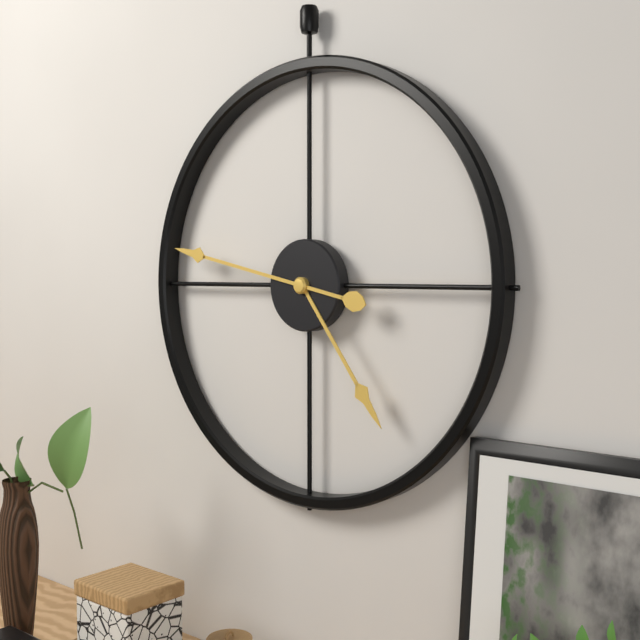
4:47
